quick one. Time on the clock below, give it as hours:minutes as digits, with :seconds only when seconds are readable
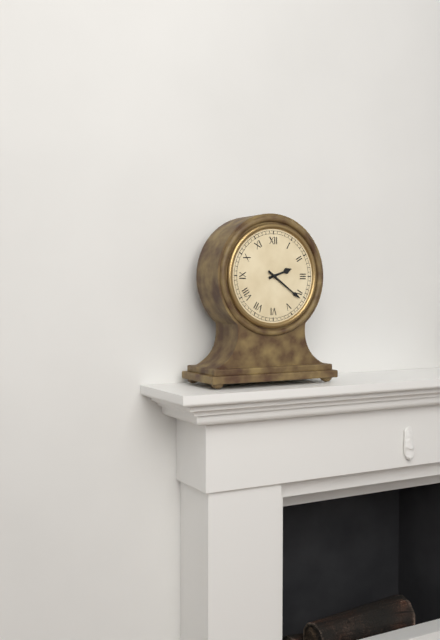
2:21
